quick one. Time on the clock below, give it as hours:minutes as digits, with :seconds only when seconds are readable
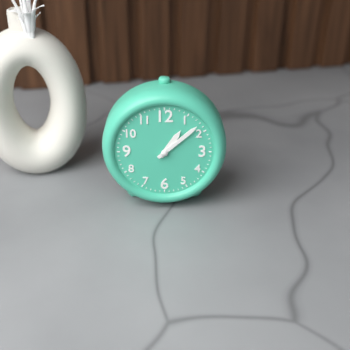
1:08
